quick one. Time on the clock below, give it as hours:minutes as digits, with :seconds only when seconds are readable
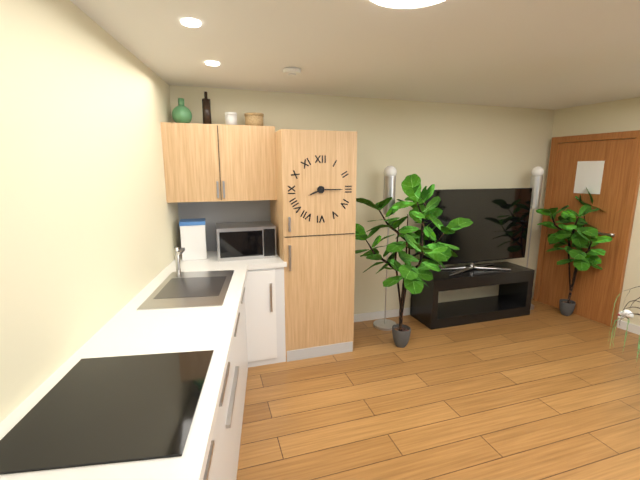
8:15
